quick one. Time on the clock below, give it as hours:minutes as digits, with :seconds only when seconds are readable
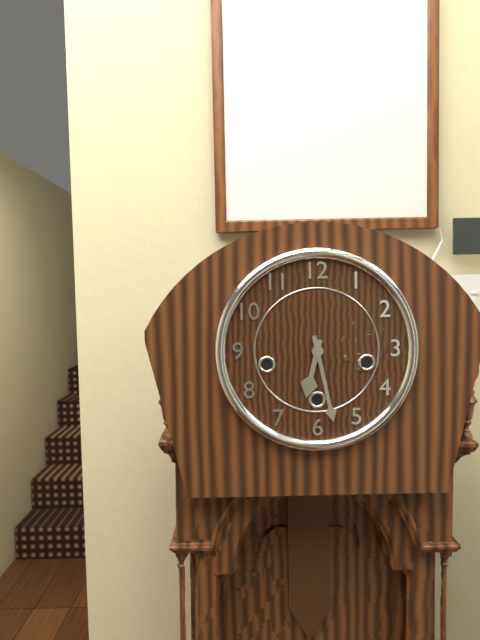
6:28
